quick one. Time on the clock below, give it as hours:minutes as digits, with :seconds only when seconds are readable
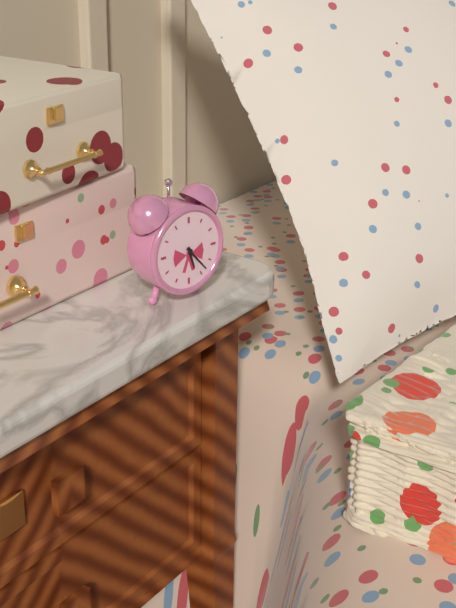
5:23
